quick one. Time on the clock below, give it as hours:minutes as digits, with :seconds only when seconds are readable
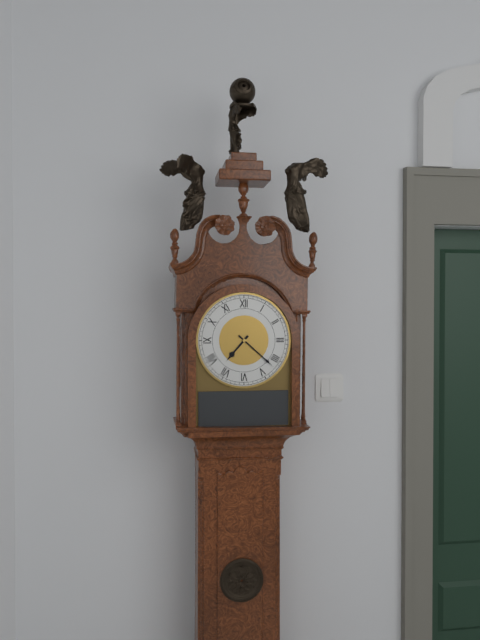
7:22
